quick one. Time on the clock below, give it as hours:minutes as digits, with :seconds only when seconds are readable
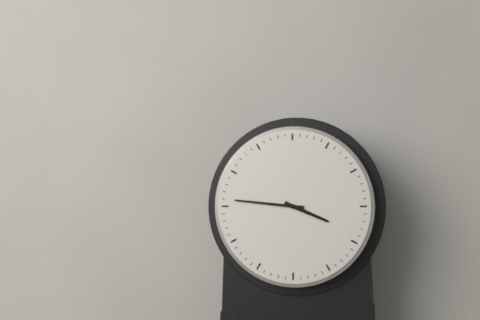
3:46
